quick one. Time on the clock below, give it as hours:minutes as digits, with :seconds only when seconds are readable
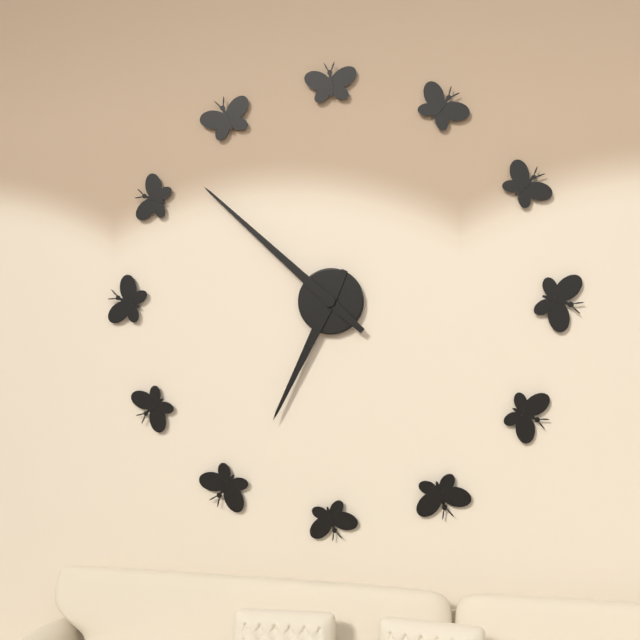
6:52
